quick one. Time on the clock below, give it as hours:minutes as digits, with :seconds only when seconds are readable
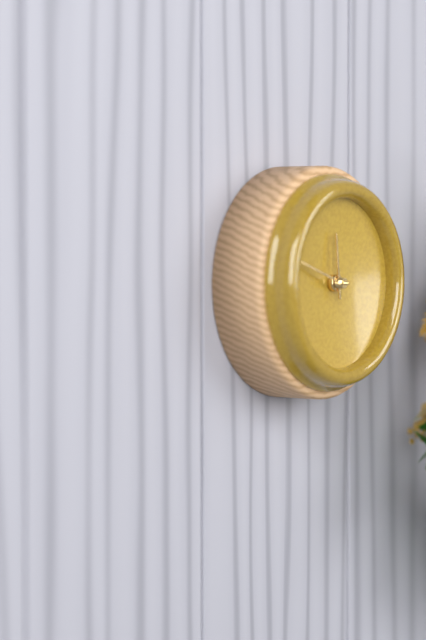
11:48
